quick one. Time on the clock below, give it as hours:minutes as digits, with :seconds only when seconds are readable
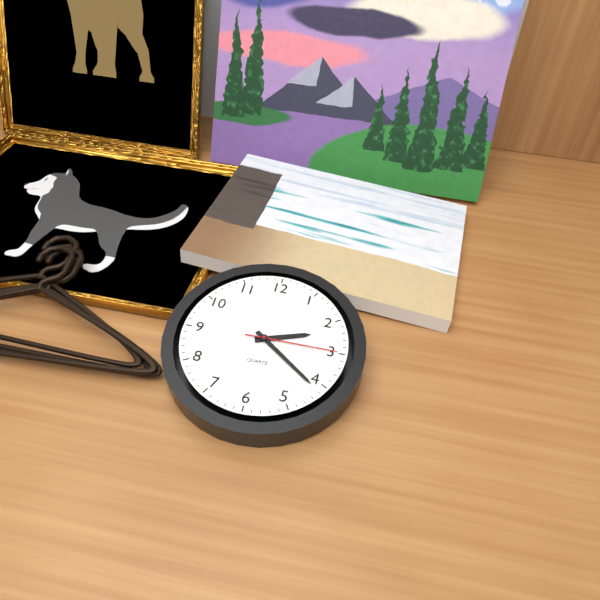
2:21:15
